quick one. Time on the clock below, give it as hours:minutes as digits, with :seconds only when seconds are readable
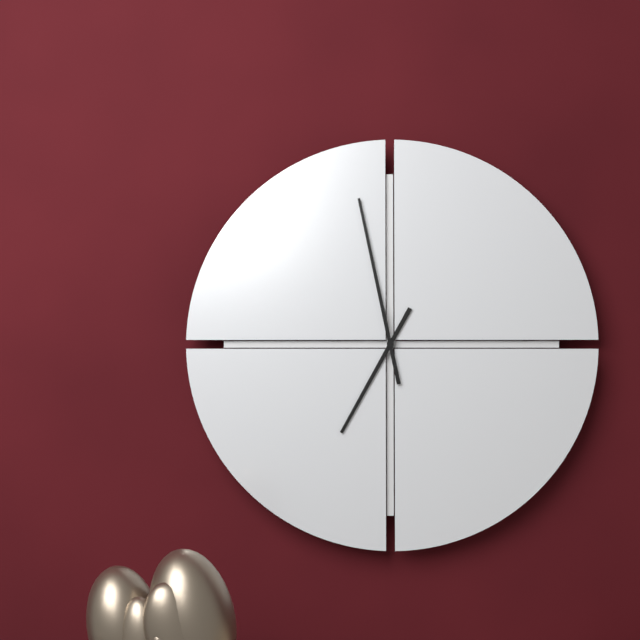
6:58
